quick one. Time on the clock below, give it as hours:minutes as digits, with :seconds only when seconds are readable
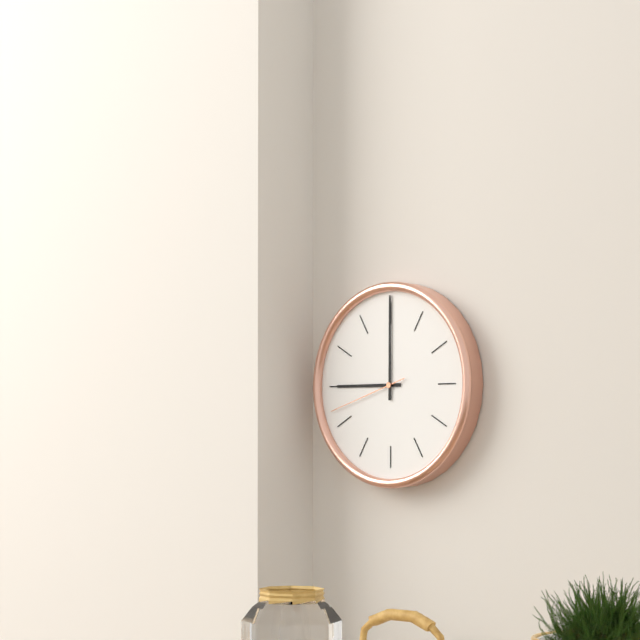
9:00:42
